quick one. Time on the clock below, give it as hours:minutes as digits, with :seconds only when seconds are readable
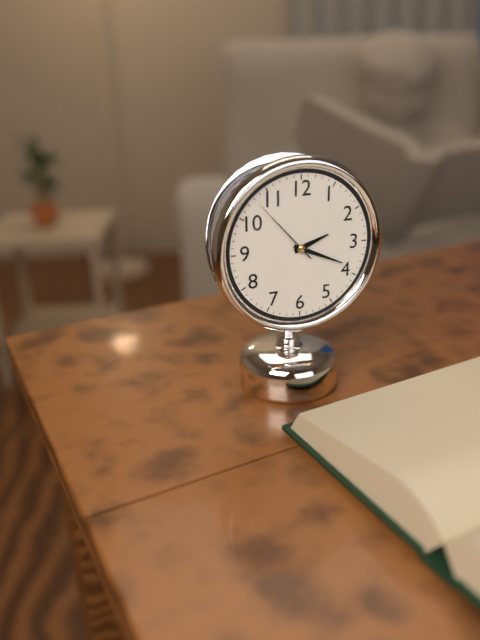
2:19:53
